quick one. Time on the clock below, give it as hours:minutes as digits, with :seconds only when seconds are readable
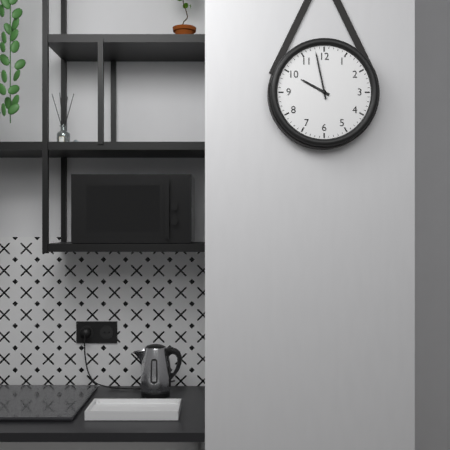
9:58
